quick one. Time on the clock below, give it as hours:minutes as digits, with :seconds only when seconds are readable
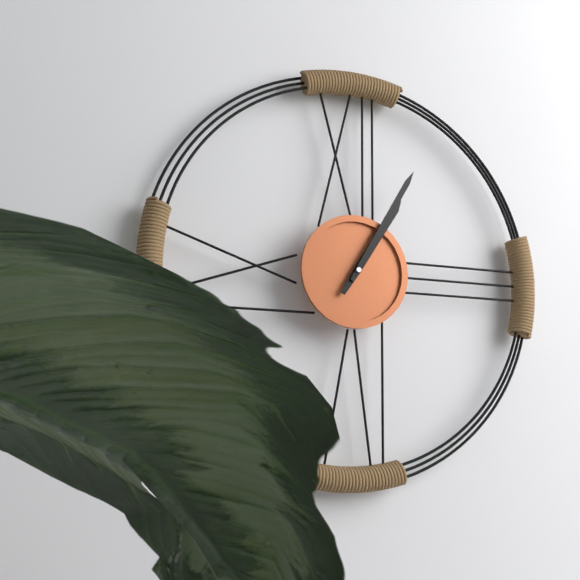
1:05
